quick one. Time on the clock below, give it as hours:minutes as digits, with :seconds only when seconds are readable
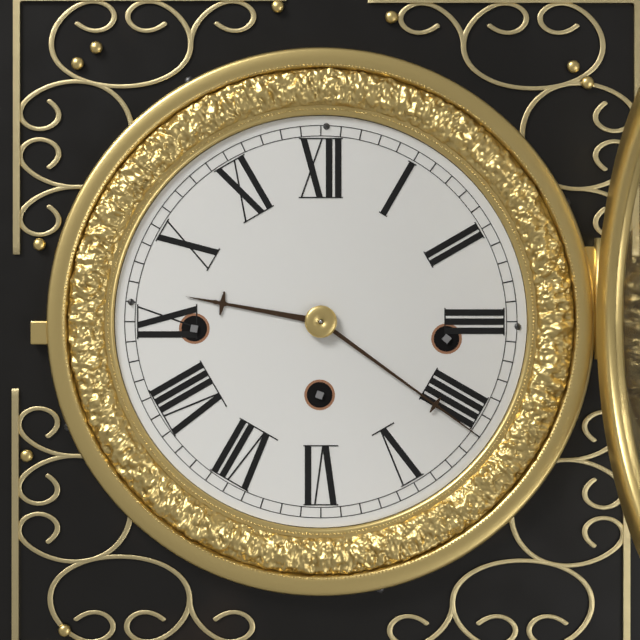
9:21
